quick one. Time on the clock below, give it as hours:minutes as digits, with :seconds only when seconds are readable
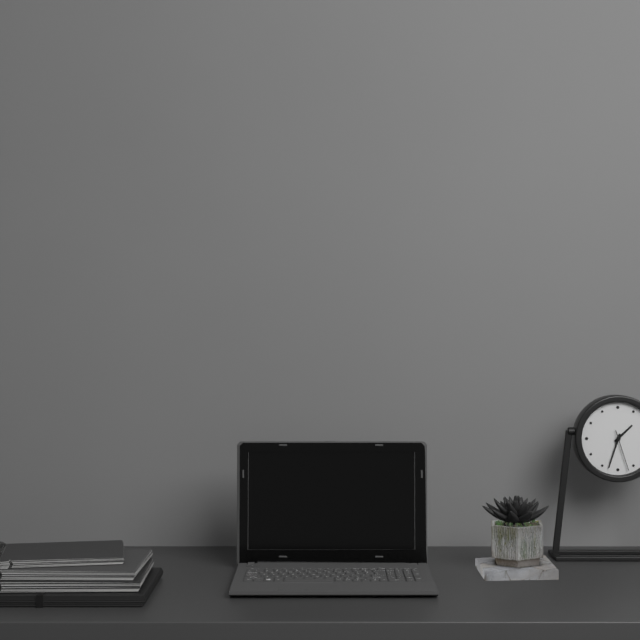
1:33
